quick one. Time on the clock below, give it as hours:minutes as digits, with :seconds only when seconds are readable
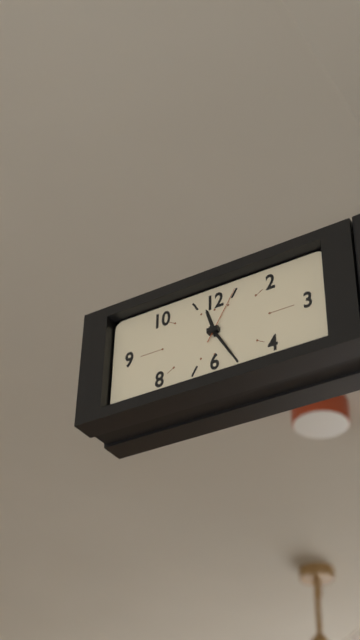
11:25:05
